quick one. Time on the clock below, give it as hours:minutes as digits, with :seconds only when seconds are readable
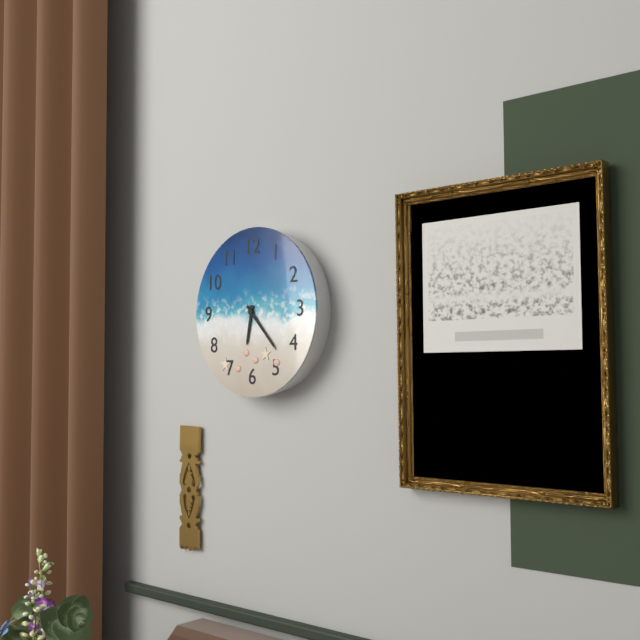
6:23
